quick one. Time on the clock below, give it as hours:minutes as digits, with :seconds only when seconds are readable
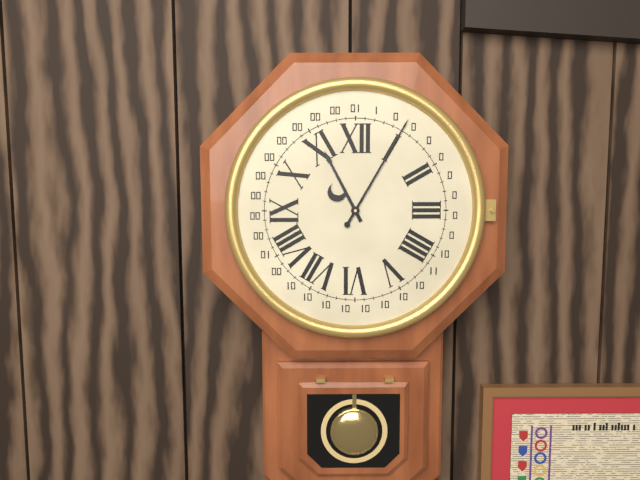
11:05
